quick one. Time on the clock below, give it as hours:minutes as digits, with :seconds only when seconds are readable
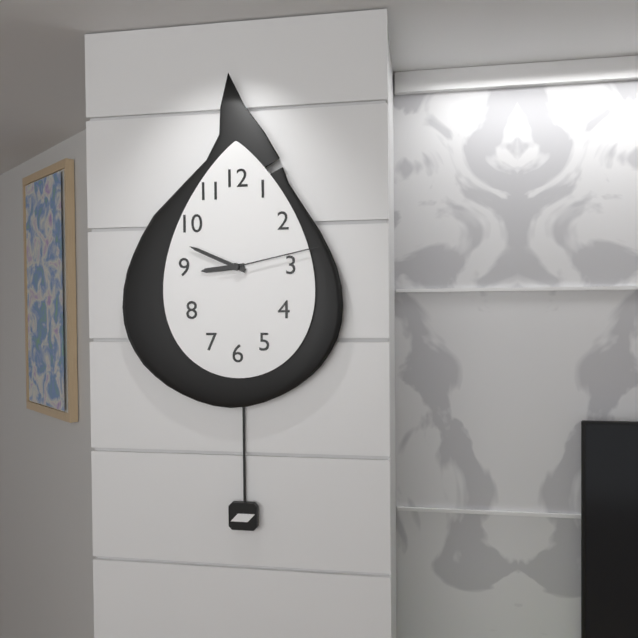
8:49:13
